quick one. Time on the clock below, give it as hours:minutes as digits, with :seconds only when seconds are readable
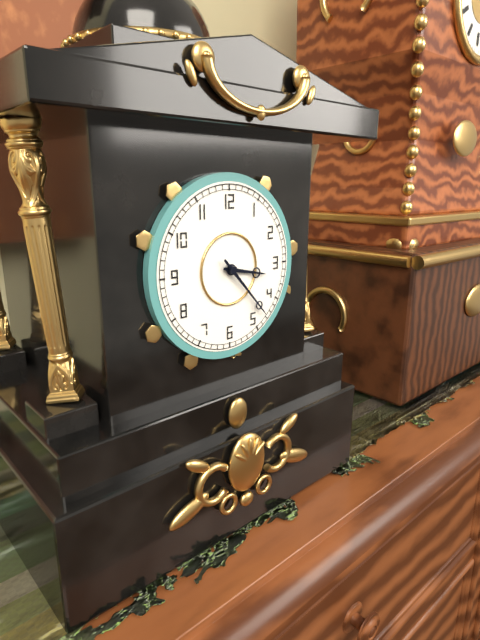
3:23
